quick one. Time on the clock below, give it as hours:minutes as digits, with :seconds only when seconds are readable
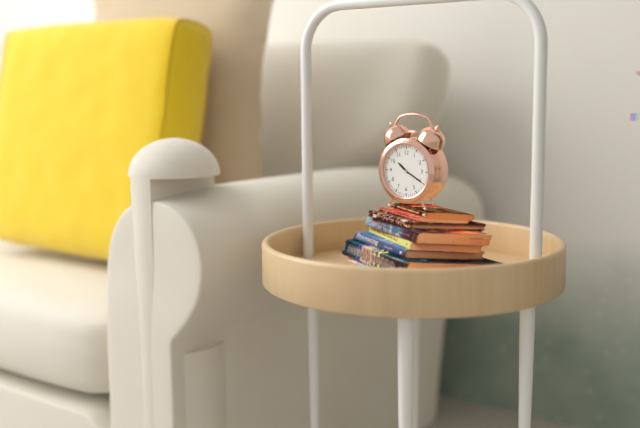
10:20
